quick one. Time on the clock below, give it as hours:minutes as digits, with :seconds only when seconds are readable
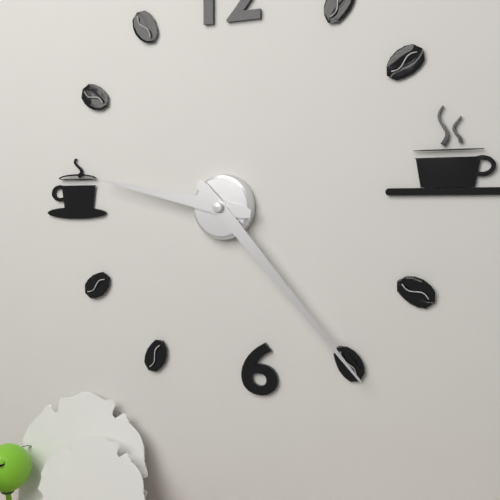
9:23
